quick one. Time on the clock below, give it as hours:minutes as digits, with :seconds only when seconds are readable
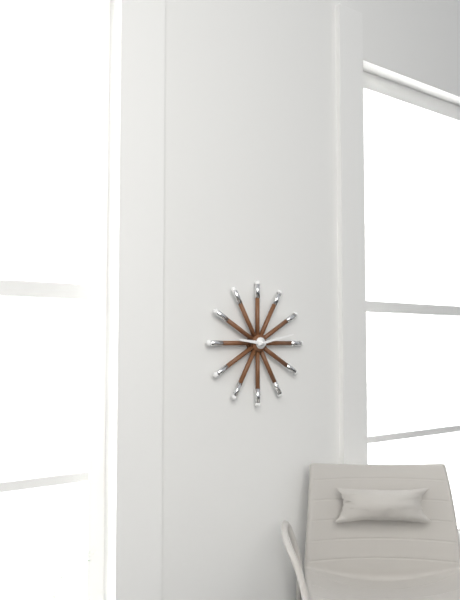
9:13
